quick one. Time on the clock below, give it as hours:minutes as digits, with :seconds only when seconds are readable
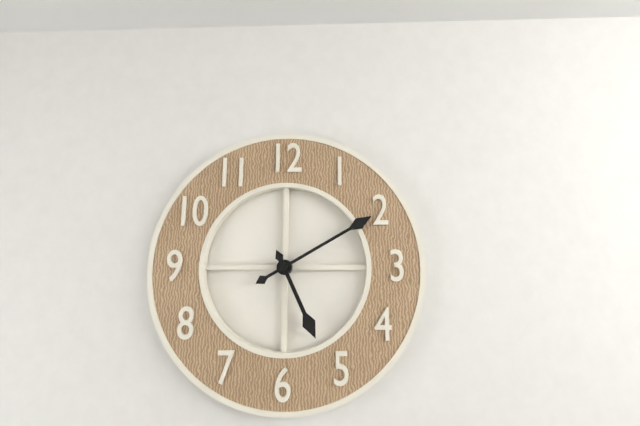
5:10
